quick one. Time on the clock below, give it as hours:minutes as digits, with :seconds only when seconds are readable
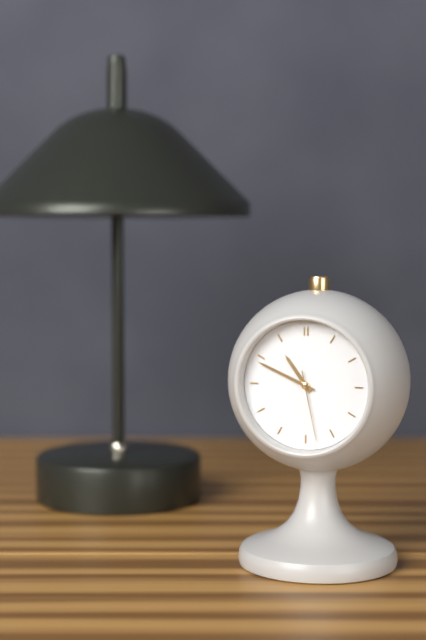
10:49:28
